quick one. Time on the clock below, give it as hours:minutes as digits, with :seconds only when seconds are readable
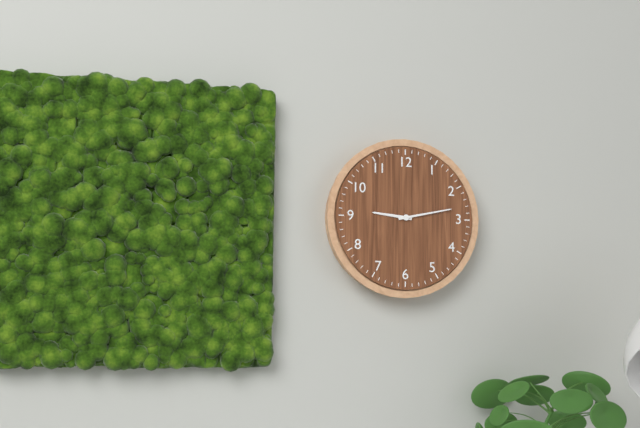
9:13
